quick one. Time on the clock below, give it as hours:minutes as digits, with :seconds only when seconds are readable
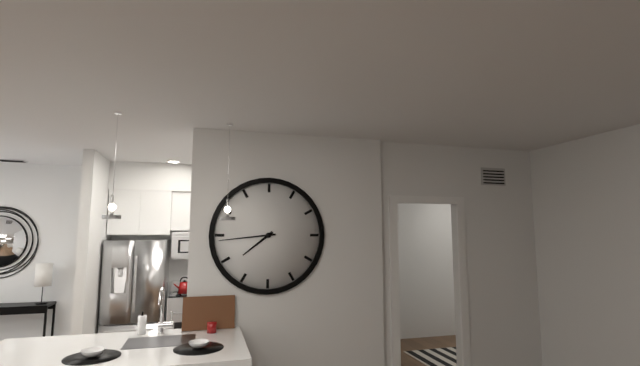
7:44
